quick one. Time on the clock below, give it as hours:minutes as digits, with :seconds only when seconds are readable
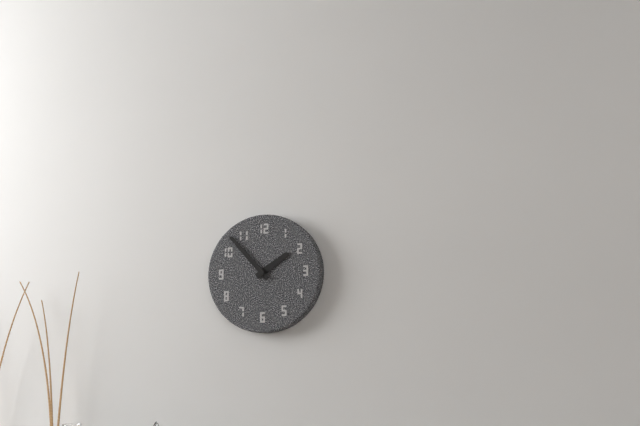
1:53
